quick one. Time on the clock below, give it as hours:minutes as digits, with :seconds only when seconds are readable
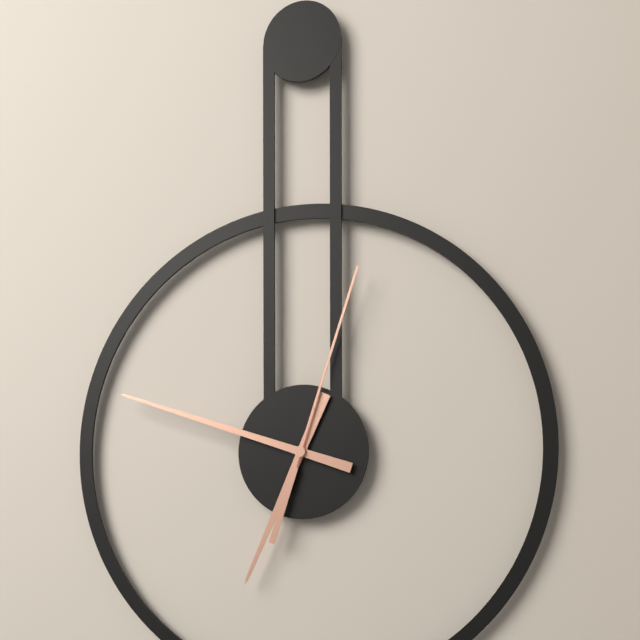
6:48:03
